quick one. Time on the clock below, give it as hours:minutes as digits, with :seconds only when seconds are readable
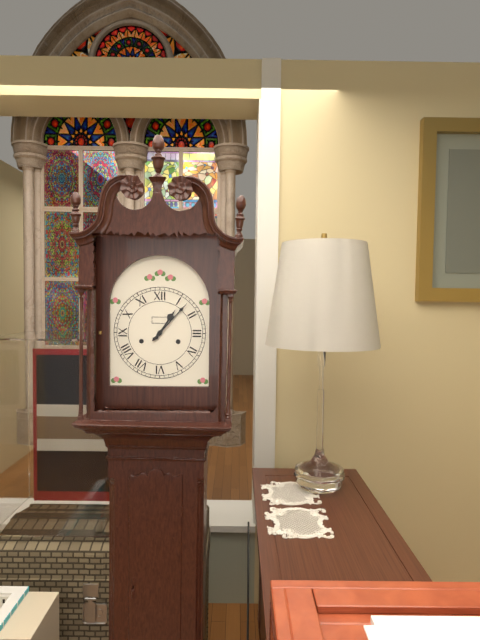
1:07
